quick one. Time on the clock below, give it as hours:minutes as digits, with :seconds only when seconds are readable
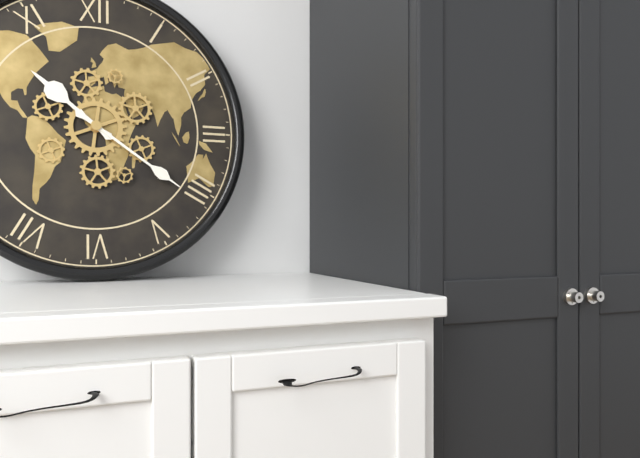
10:21
